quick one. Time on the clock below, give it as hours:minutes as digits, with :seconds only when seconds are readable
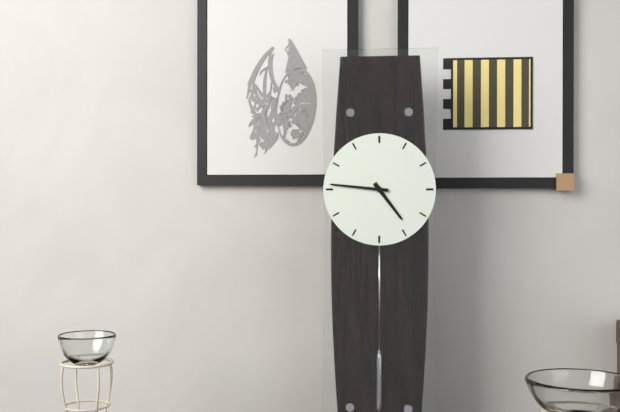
4:46
